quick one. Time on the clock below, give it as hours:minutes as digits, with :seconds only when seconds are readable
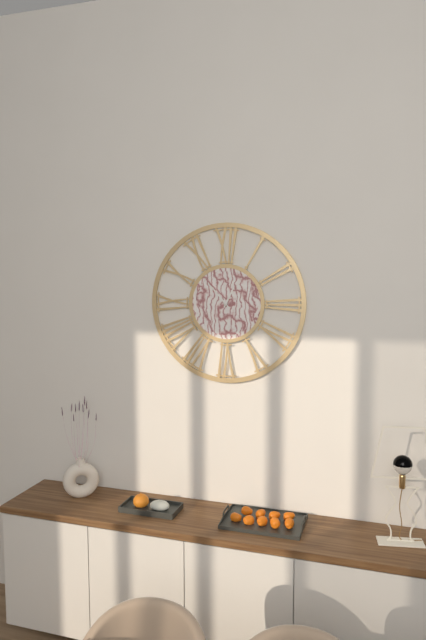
12:53
